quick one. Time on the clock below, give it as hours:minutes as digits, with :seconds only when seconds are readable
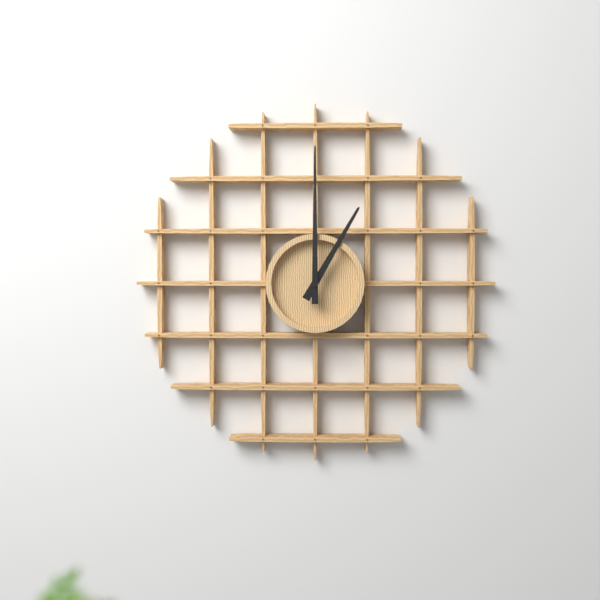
1:00
